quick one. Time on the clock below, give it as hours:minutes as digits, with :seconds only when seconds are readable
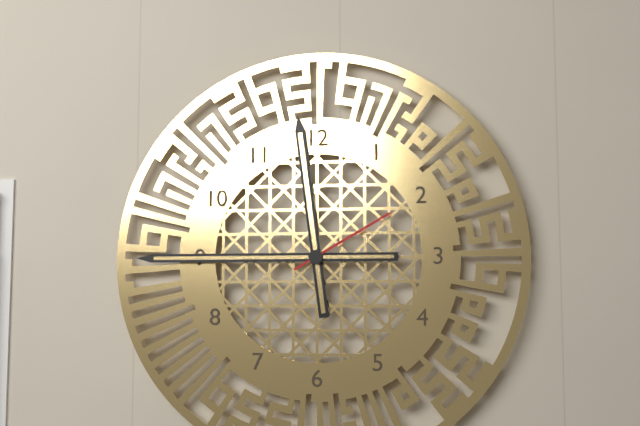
11:45:10
